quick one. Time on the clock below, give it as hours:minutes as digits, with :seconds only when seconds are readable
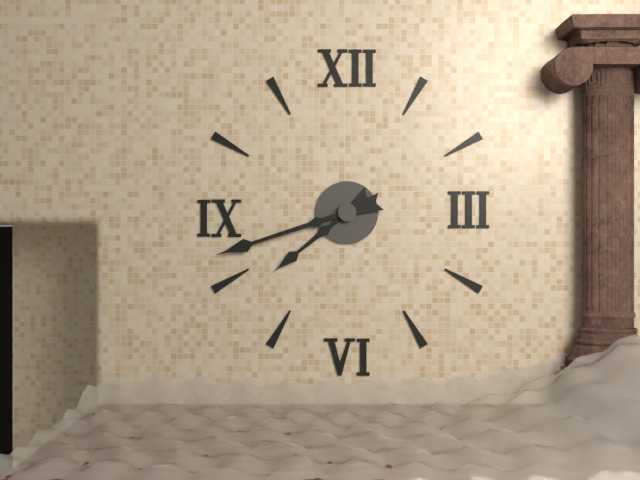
7:42
